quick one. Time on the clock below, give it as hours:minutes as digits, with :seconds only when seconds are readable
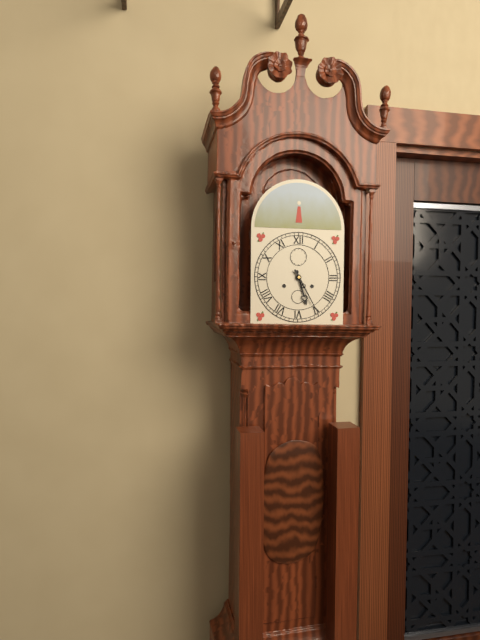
5:25
